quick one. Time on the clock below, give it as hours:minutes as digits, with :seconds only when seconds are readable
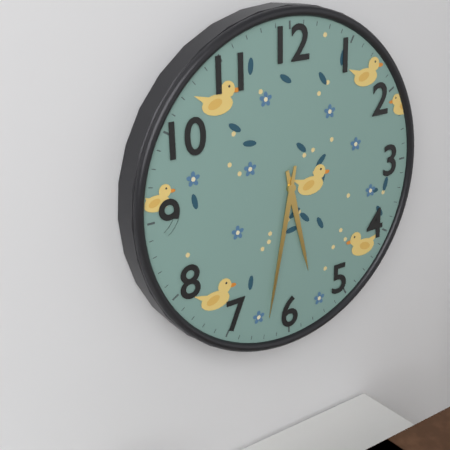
5:32
